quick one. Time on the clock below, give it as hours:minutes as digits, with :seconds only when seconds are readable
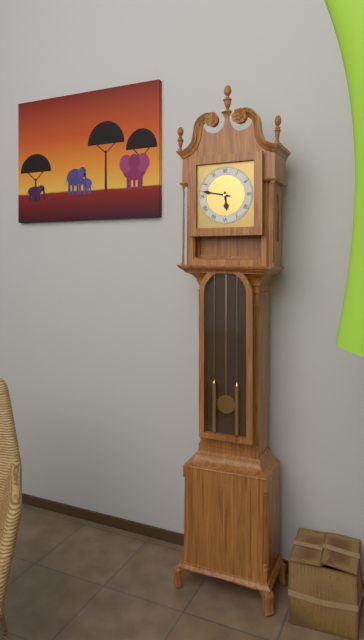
5:47
